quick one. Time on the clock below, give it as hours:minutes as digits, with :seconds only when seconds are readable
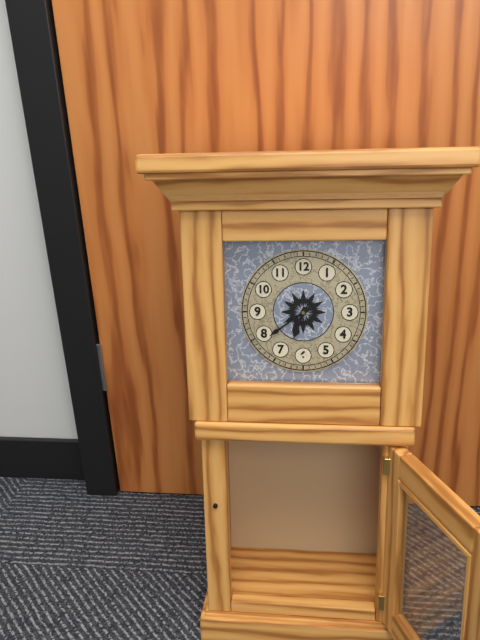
6:39
